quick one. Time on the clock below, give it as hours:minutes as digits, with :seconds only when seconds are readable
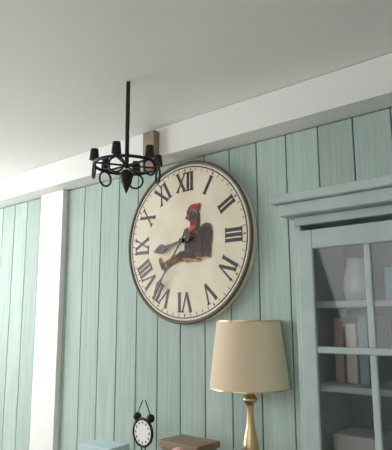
8:36
